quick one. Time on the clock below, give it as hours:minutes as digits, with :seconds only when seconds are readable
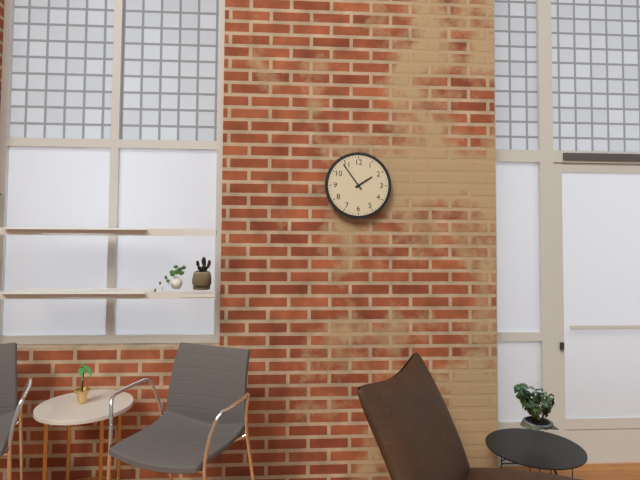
1:54
